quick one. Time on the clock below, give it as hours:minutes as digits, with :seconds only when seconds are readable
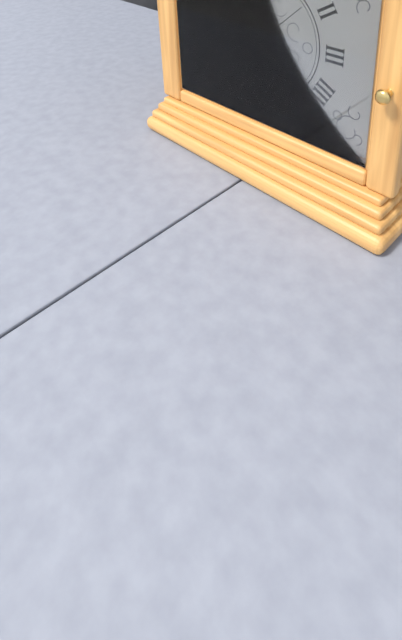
6:37:08
